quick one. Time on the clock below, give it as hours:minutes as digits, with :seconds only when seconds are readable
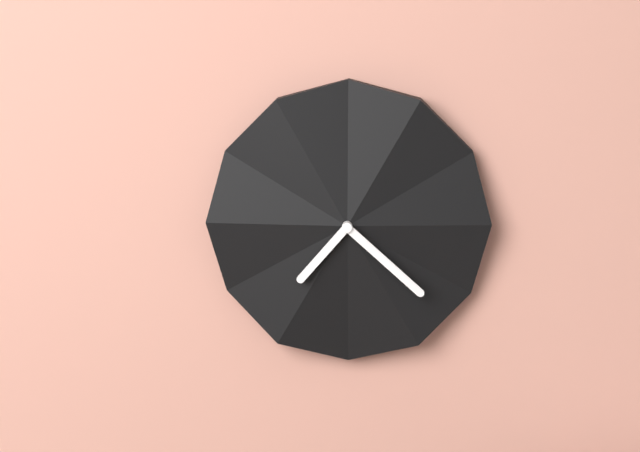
7:22
